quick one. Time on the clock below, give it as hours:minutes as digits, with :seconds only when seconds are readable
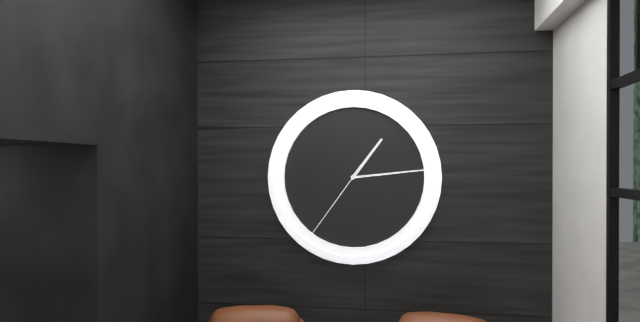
1:14:36
